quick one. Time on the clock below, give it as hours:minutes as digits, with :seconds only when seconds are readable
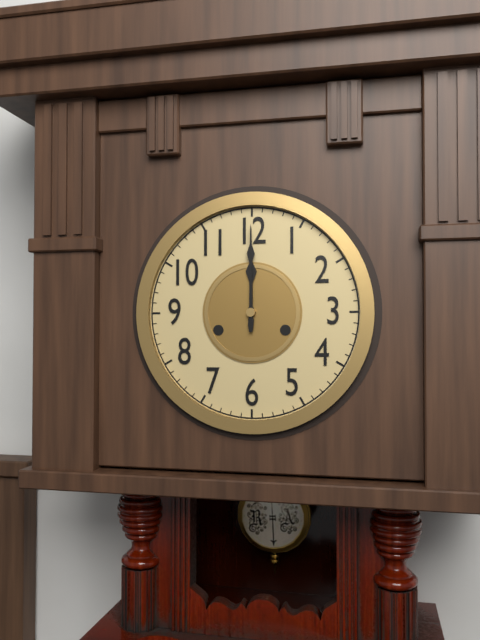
12:00
